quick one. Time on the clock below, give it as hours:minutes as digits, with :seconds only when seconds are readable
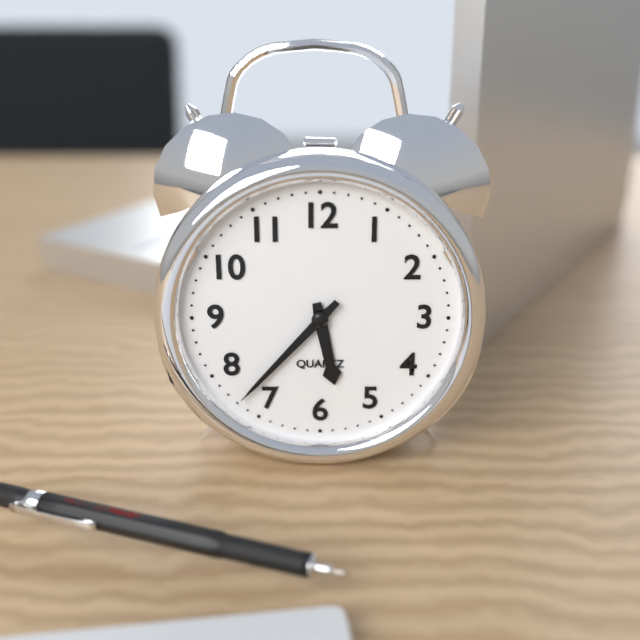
5:37
